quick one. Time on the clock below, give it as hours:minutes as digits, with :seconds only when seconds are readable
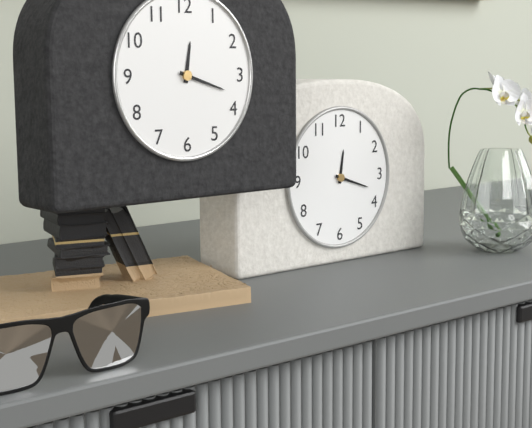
12:18
